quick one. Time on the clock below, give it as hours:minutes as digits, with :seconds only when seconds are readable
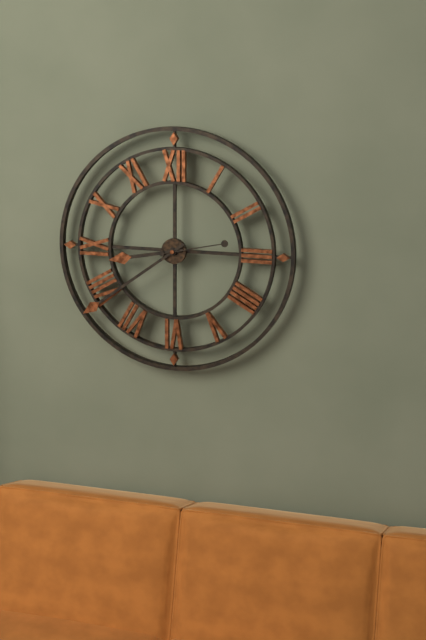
8:39:13
